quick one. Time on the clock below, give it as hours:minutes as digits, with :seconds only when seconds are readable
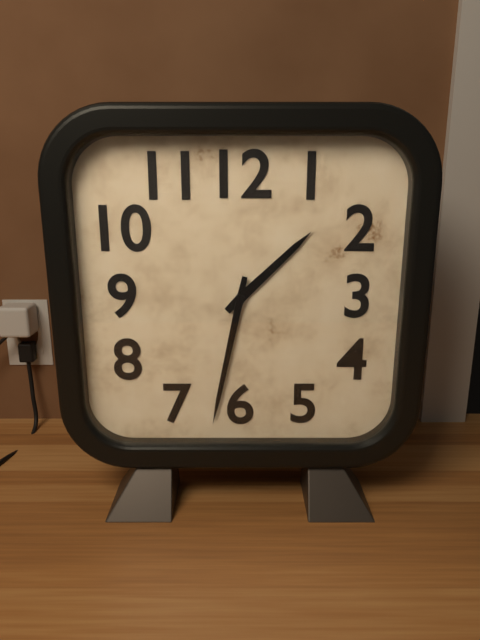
1:32
